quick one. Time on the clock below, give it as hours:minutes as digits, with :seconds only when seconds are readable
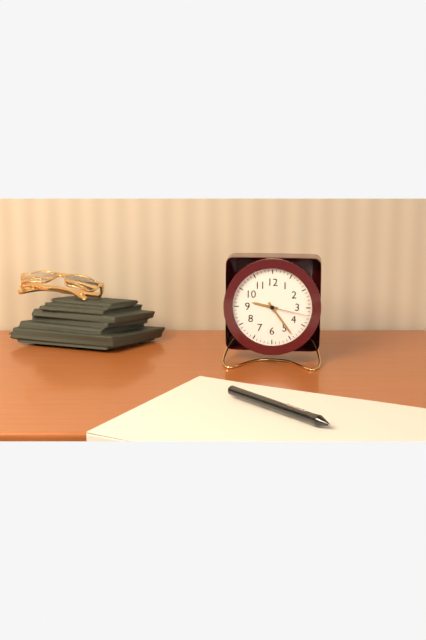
9:24
